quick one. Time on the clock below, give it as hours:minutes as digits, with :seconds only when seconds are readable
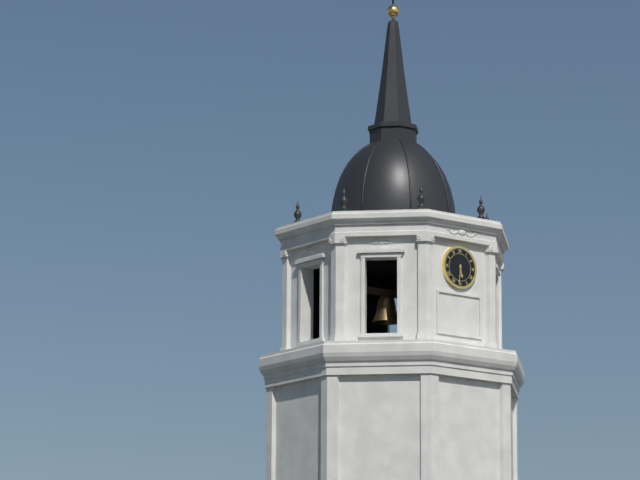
5:31
